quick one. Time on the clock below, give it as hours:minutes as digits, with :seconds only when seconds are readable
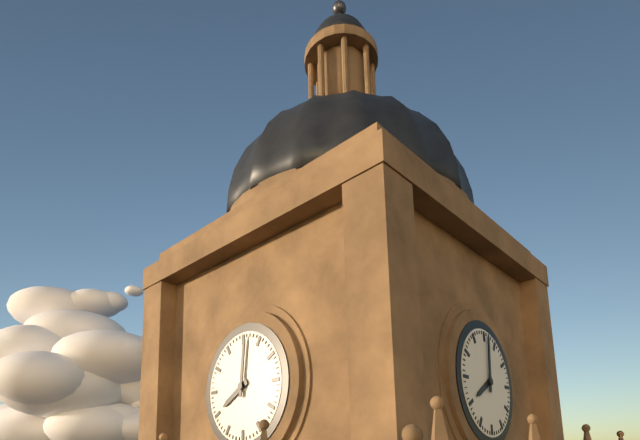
8:01
